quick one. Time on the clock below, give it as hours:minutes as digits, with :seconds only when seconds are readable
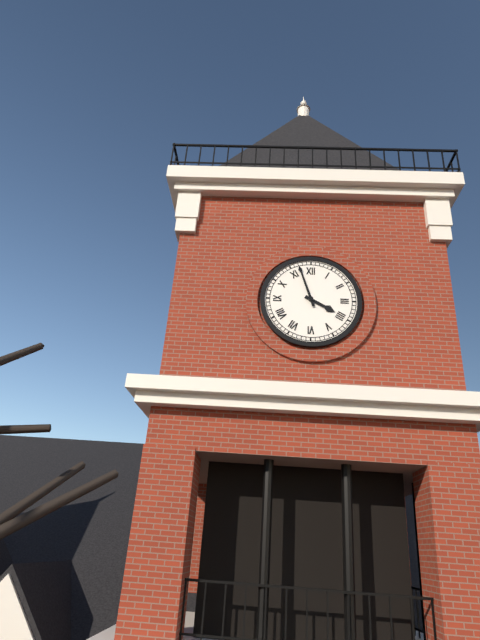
3:57
